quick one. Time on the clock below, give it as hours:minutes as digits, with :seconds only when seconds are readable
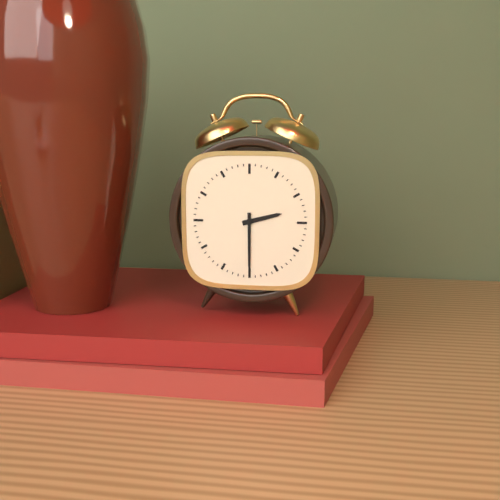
2:30
